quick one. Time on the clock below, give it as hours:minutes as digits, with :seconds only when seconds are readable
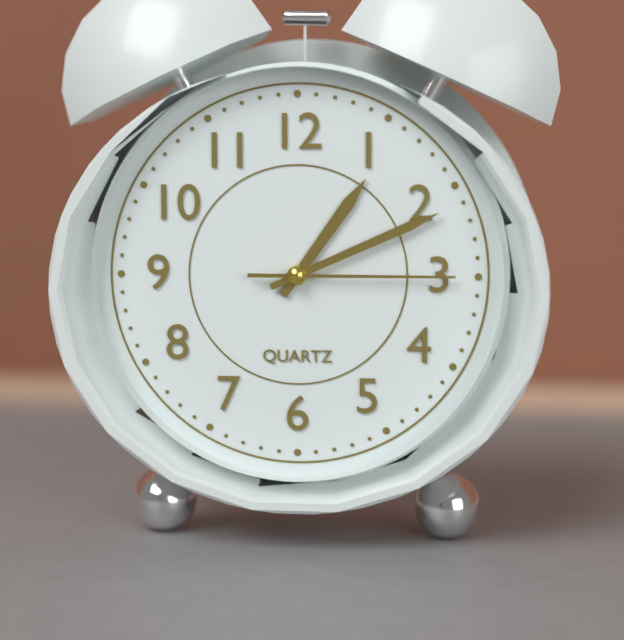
1:11:15
